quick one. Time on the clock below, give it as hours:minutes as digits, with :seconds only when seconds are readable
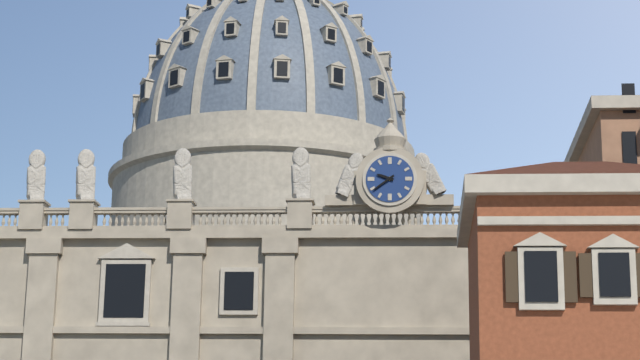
9:39
